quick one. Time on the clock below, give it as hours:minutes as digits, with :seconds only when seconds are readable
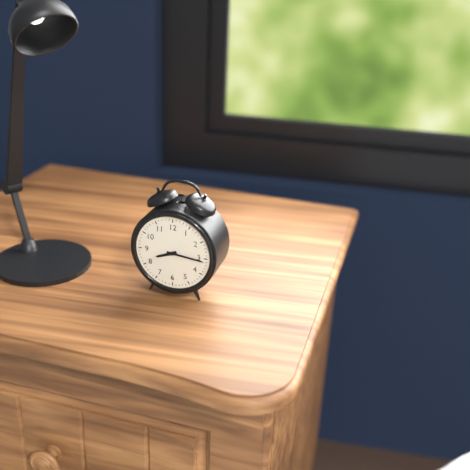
8:16
